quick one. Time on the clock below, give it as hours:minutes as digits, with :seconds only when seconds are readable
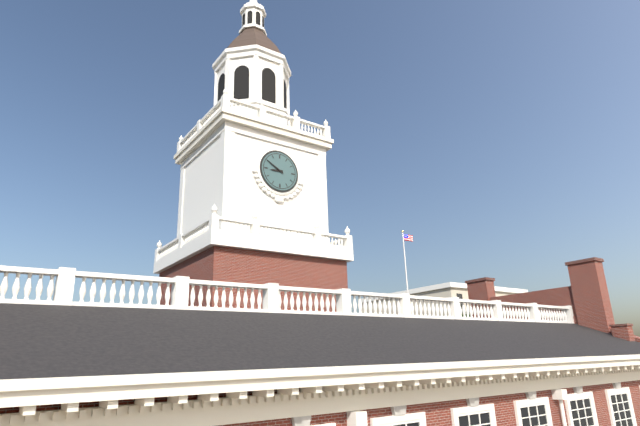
8:50
